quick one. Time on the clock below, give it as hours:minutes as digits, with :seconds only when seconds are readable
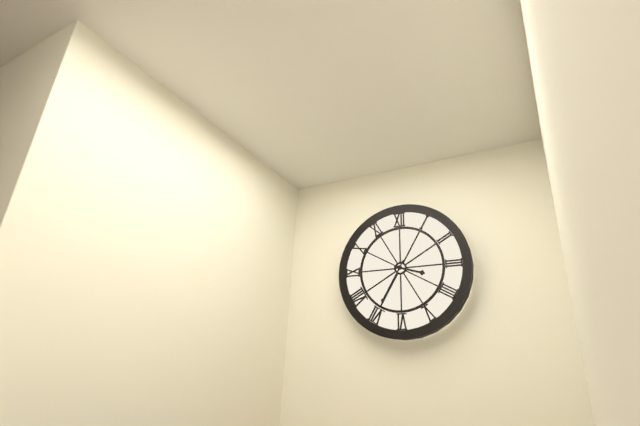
3:35
